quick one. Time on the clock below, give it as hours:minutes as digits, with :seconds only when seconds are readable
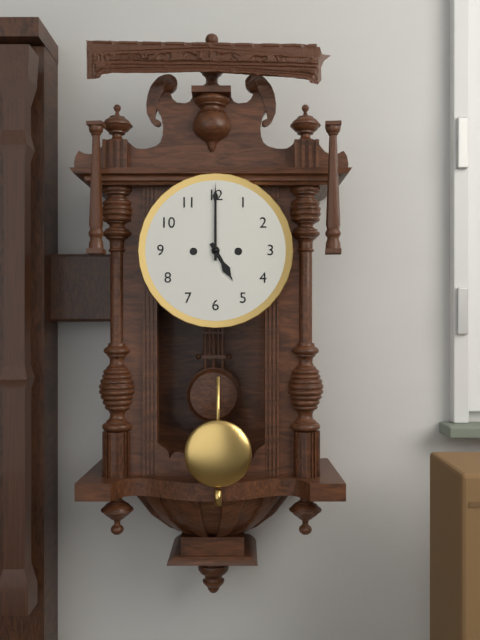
5:00
